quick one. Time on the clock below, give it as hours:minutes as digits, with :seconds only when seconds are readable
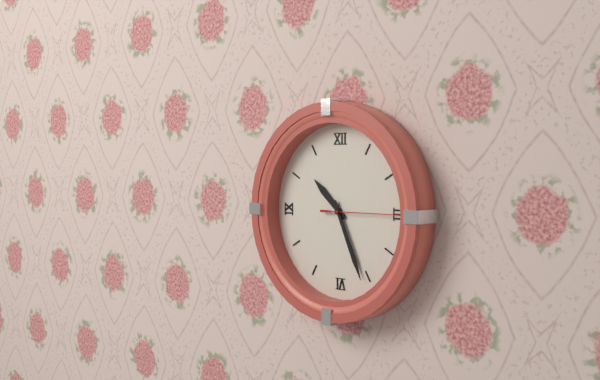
10:26:15
